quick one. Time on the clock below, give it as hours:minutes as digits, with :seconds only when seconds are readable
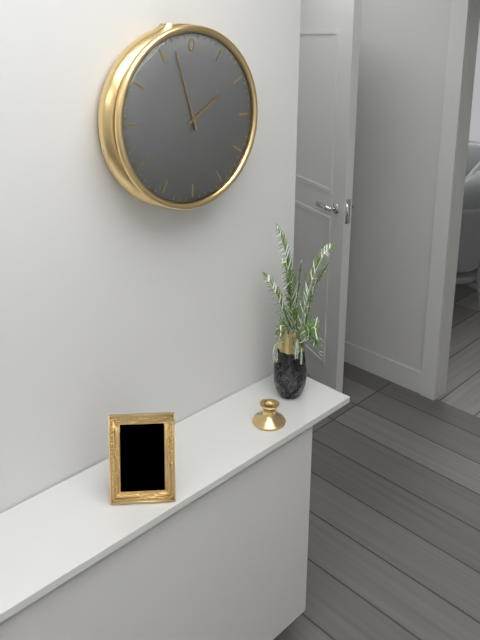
1:57
